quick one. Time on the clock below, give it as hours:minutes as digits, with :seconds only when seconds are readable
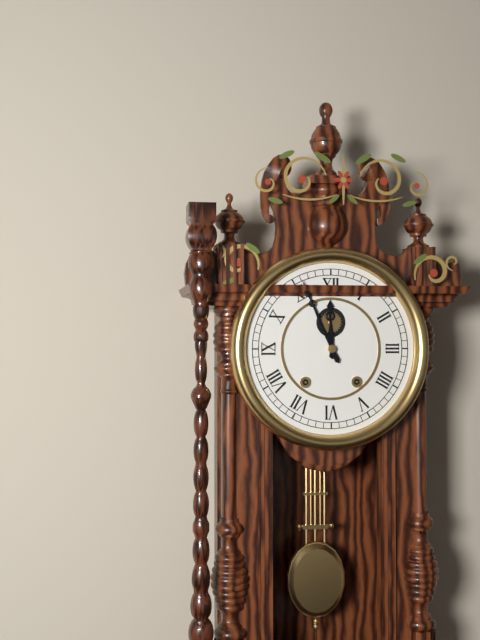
11:56
